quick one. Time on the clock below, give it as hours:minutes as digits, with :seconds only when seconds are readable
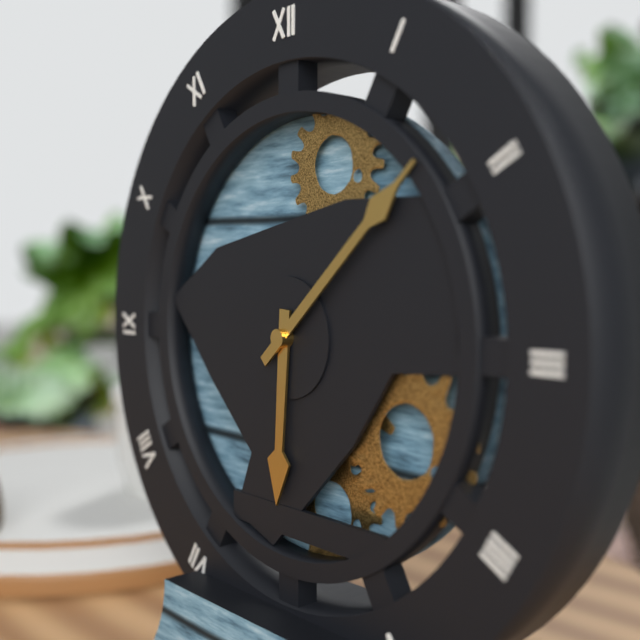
6:08
